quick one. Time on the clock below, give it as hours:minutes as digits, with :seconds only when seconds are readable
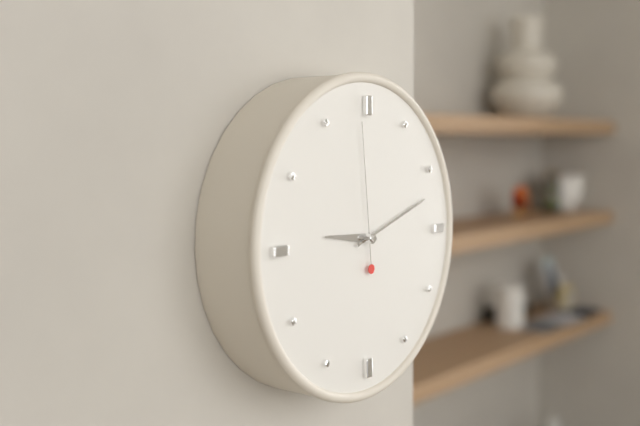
9:12:59
